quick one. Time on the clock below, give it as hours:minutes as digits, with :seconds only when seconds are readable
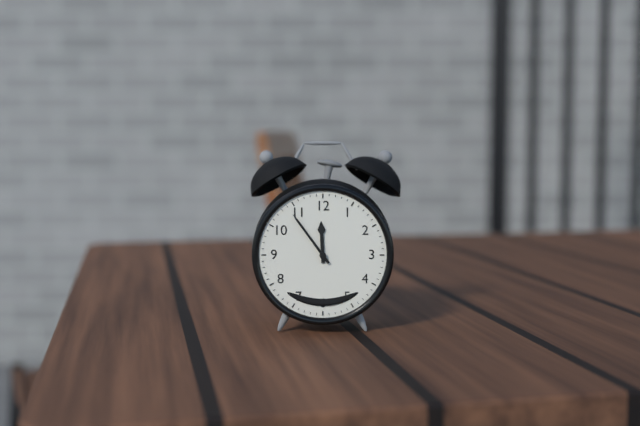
11:54
